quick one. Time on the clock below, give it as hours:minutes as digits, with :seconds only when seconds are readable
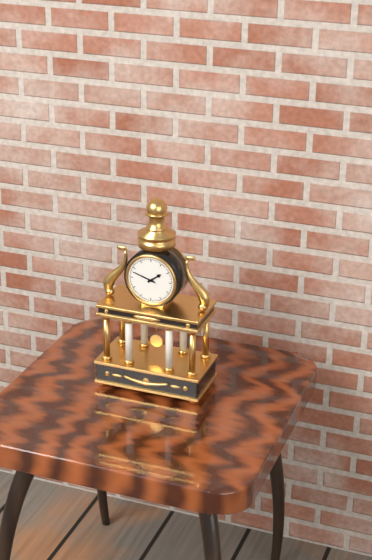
1:48
